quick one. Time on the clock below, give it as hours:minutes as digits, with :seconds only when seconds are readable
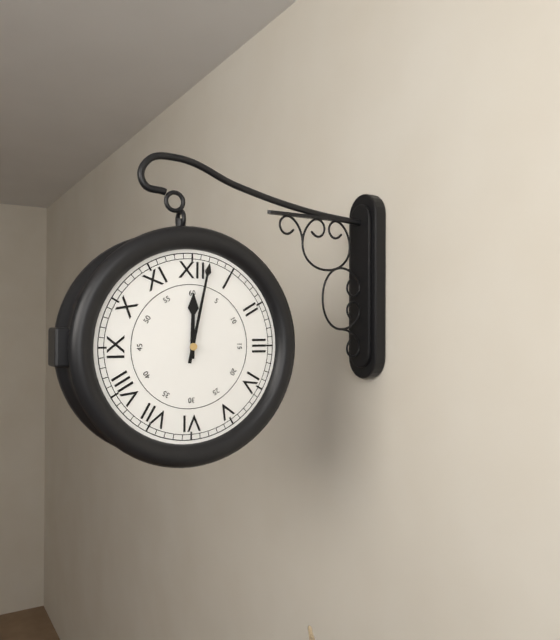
12:02
